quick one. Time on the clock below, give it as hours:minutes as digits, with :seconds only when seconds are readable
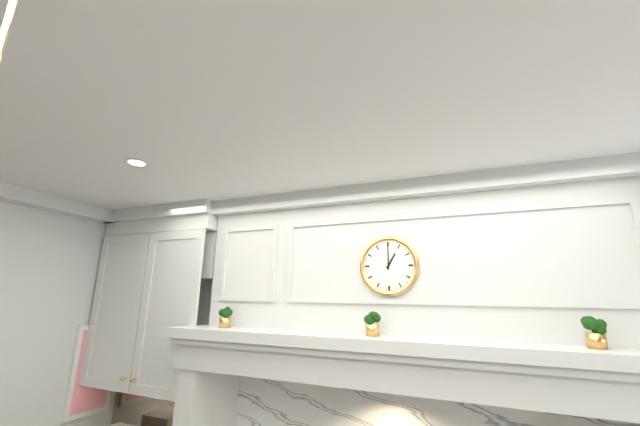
1:00
